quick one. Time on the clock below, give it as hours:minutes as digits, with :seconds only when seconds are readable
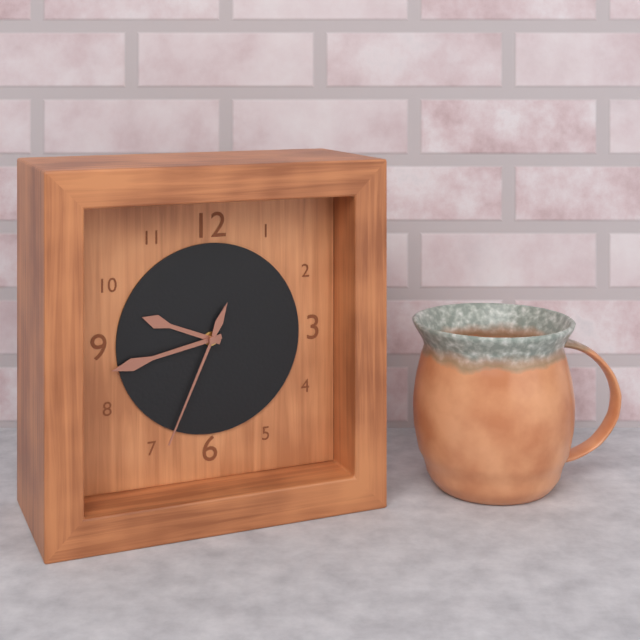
9:43:34
